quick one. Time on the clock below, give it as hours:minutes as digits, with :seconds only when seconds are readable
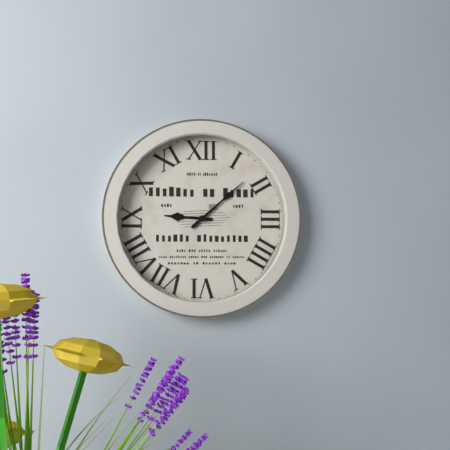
9:08
